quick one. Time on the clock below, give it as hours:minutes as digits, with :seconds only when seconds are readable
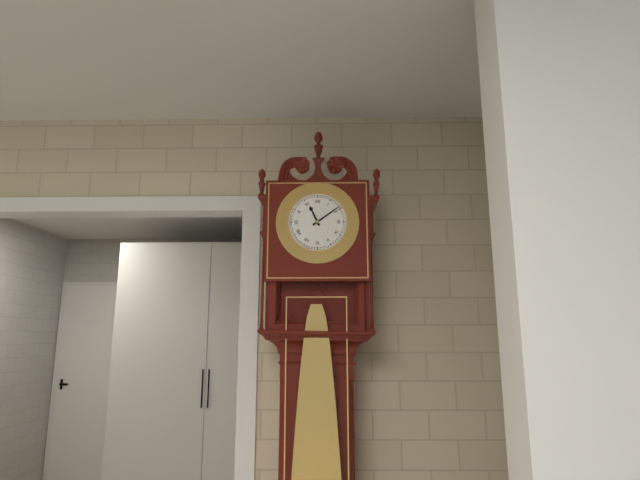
11:09
